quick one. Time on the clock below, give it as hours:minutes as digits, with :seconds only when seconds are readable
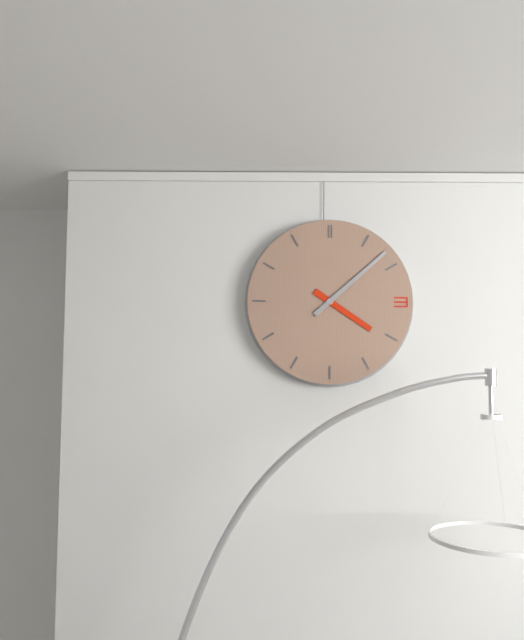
4:08
